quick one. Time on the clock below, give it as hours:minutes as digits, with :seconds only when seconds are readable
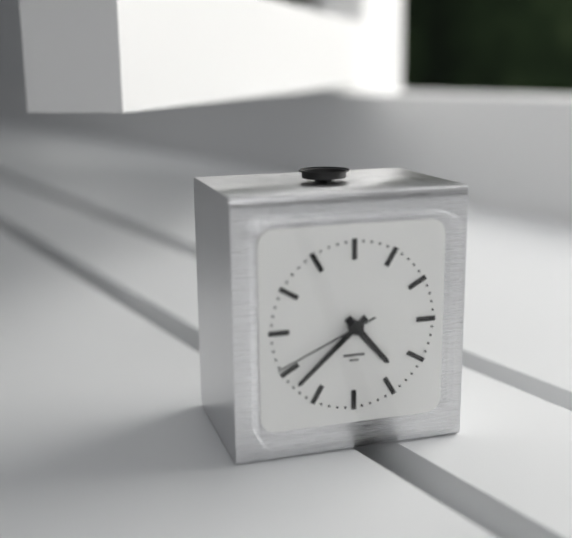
4:38:41
